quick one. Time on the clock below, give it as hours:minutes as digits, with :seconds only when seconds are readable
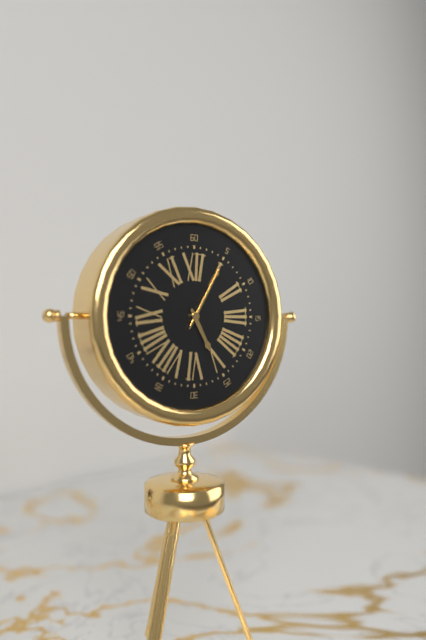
5:05:05
